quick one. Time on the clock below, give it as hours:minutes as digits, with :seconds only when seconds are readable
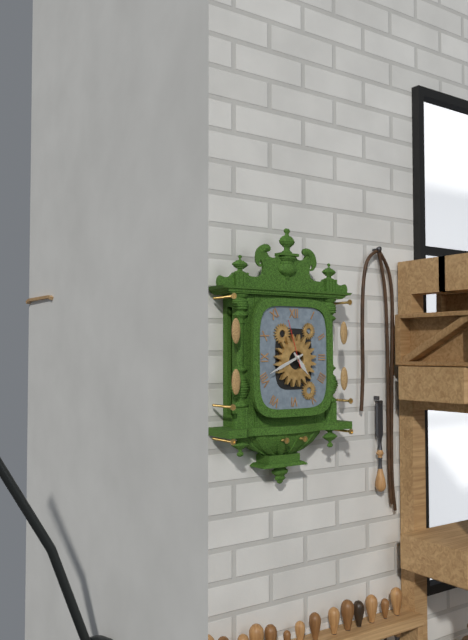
4:41
